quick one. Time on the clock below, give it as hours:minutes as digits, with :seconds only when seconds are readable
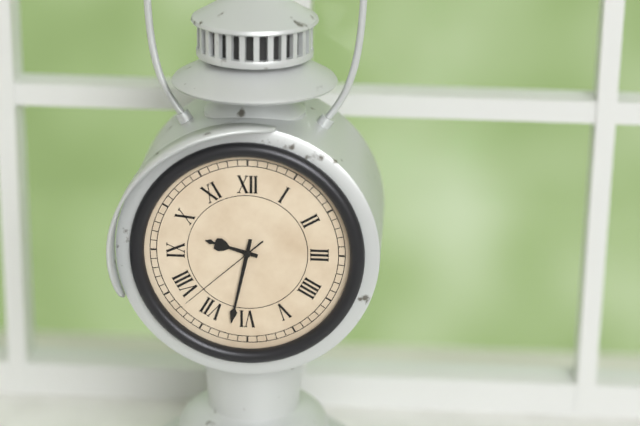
9:32:38
